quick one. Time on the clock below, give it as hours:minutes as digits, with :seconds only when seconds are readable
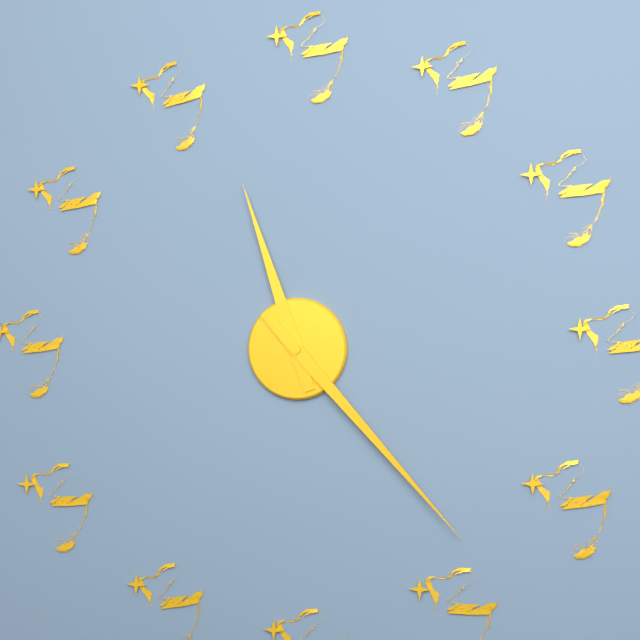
11:23
